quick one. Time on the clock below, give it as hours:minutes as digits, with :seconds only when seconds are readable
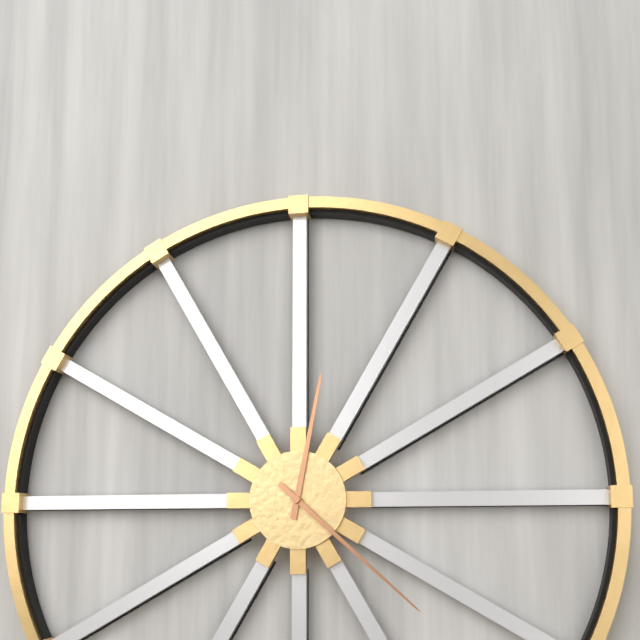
12:22
